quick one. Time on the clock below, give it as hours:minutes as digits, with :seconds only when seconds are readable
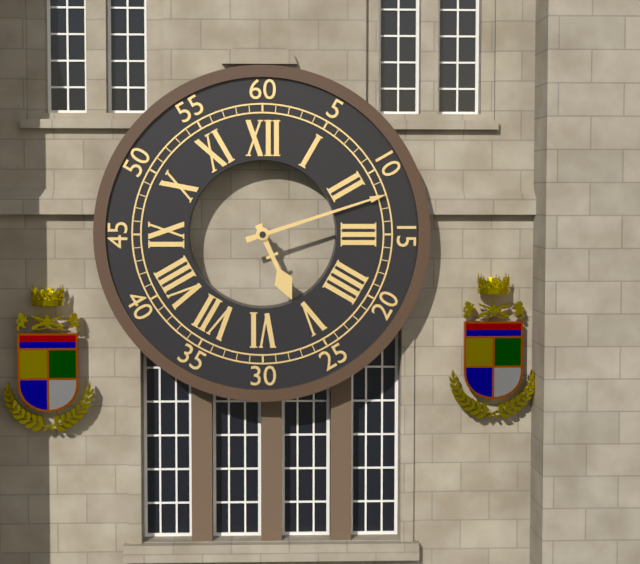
5:12
